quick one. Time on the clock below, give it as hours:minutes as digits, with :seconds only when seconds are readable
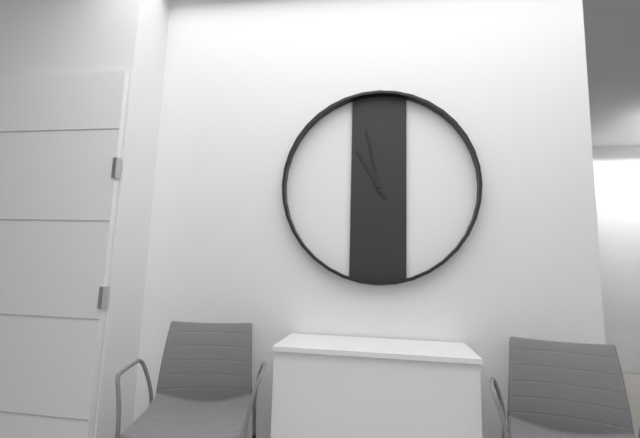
10:58
